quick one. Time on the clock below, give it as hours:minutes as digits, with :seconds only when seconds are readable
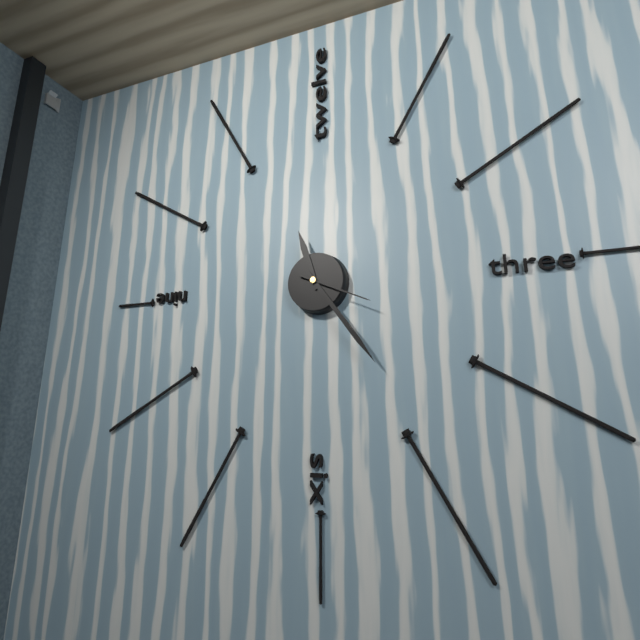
11:24:19
